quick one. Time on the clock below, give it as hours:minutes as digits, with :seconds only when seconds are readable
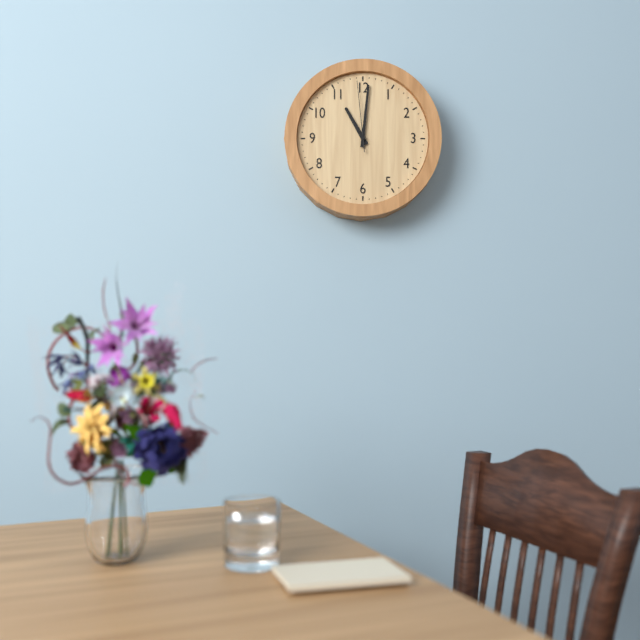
11:01:59
